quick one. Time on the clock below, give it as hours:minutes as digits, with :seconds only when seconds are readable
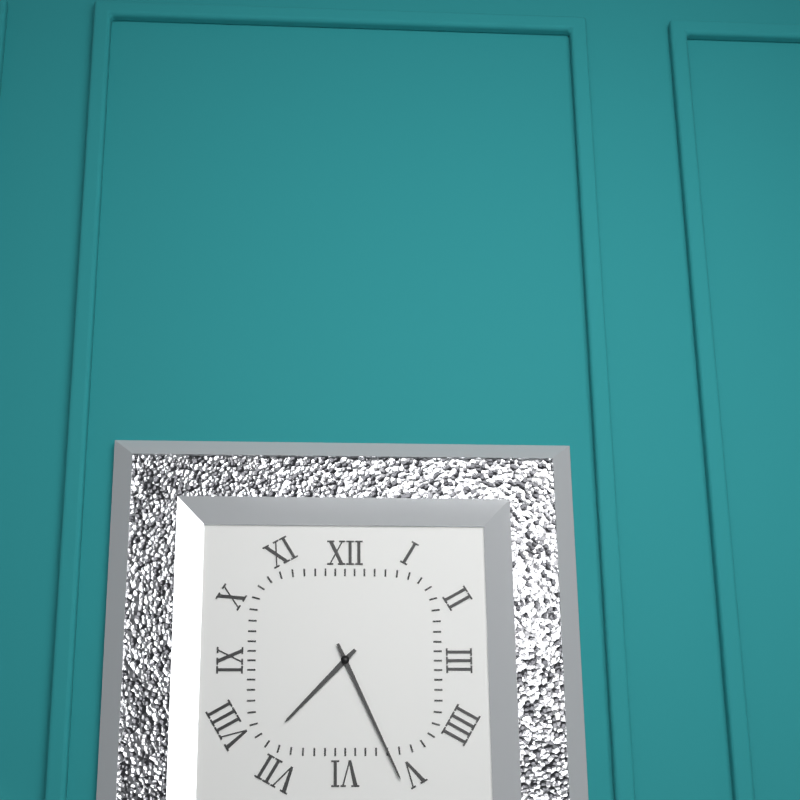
7:26
